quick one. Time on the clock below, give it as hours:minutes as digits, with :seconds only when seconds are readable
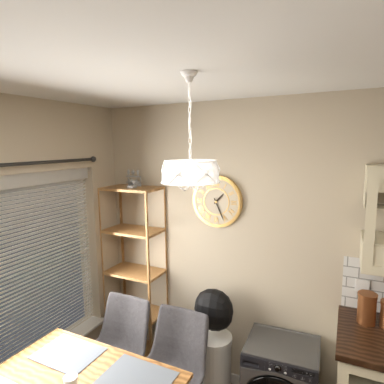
1:26
